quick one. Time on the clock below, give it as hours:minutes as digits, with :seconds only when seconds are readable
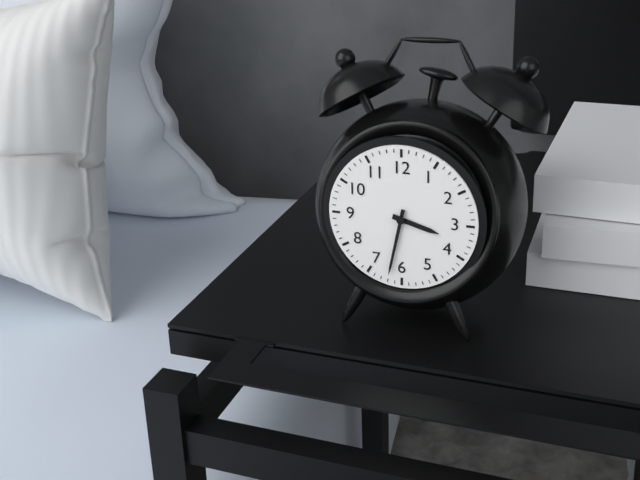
3:32
